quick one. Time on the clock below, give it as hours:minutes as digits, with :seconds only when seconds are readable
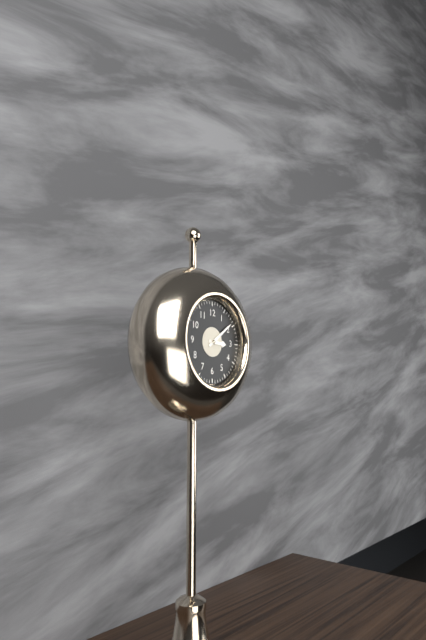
3:09
